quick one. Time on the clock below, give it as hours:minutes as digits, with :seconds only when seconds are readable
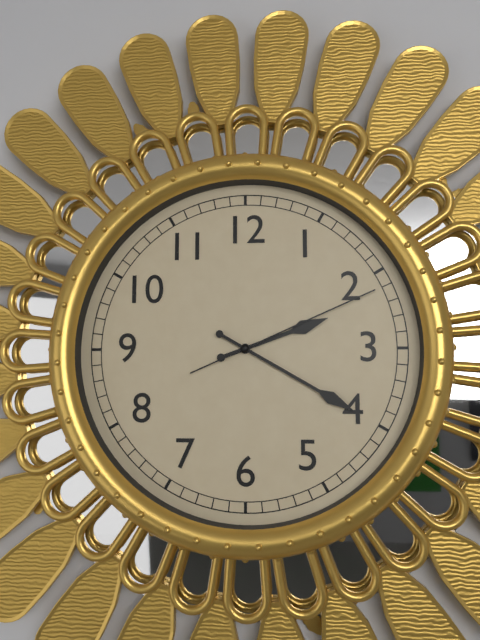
2:20:11
